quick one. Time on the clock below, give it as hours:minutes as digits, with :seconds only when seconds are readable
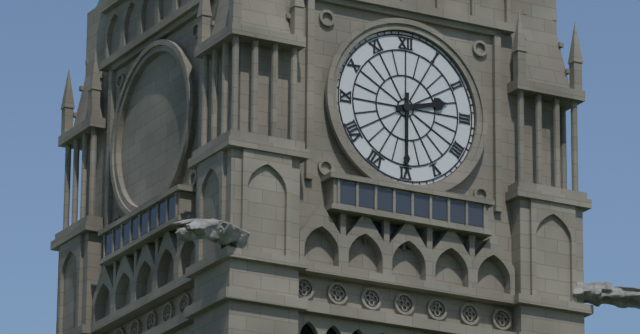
2:30
